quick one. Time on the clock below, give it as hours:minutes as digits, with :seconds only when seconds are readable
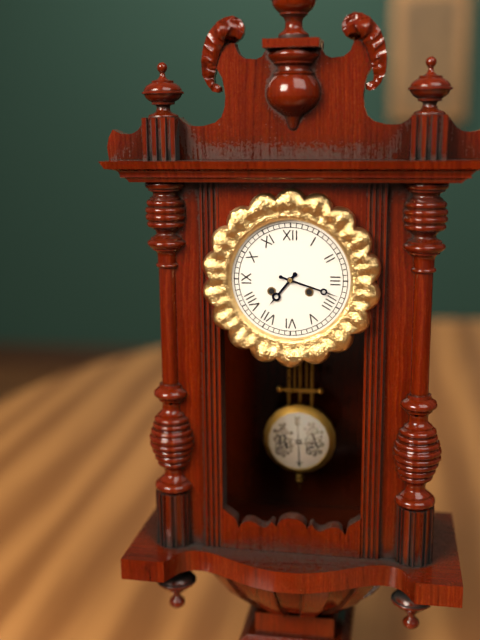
7:18
